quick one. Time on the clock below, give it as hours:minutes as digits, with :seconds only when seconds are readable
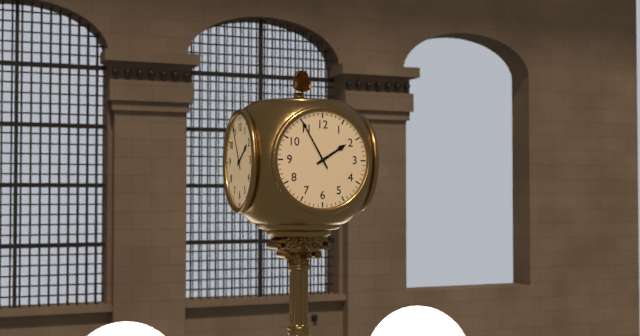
1:55
